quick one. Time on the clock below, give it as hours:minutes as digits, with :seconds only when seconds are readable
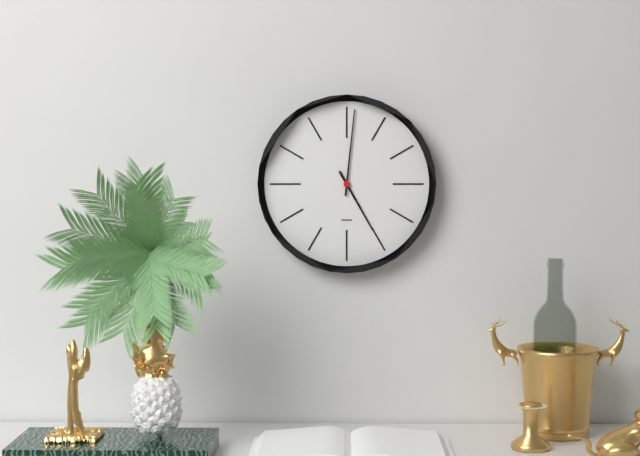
5:01
